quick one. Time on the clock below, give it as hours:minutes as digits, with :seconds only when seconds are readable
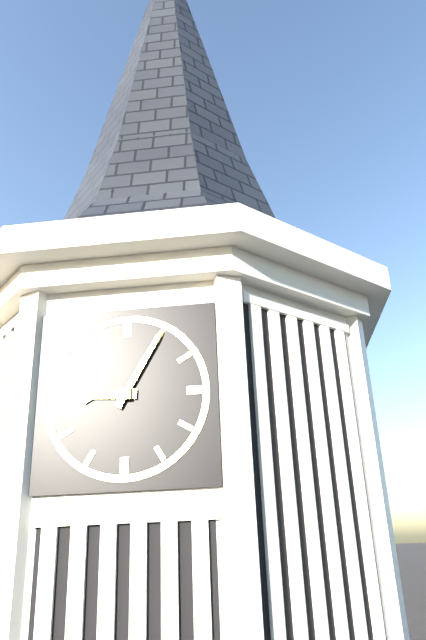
9:05
